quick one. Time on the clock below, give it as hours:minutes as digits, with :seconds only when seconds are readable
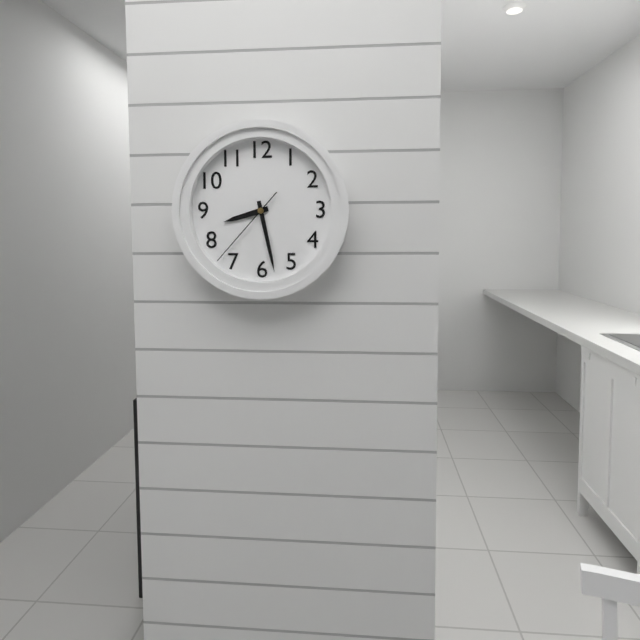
8:28:37
